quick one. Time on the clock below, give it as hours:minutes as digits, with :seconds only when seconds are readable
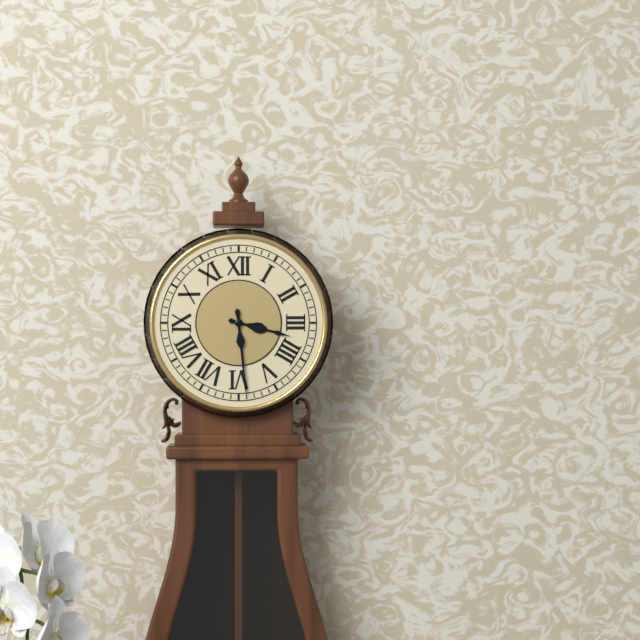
3:29
